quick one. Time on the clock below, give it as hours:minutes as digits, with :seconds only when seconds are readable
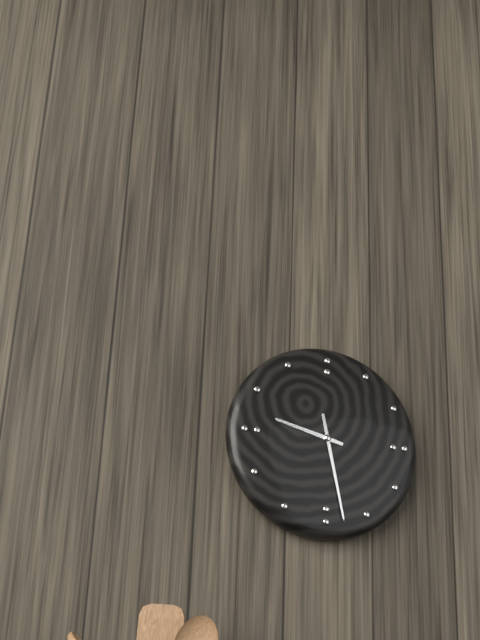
9:28
